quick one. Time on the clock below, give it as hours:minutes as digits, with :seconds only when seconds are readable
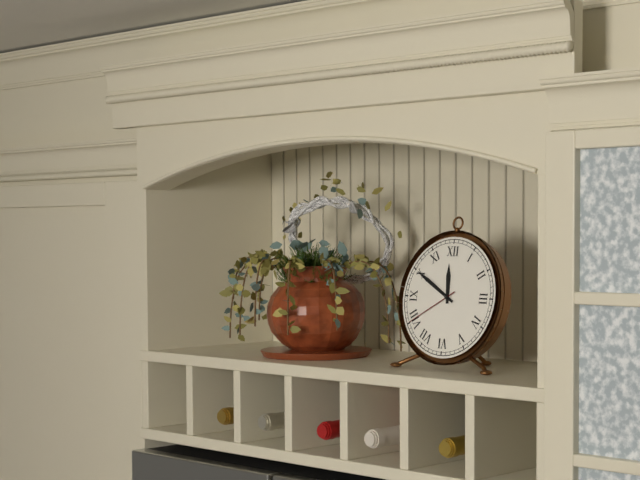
11:50:40
